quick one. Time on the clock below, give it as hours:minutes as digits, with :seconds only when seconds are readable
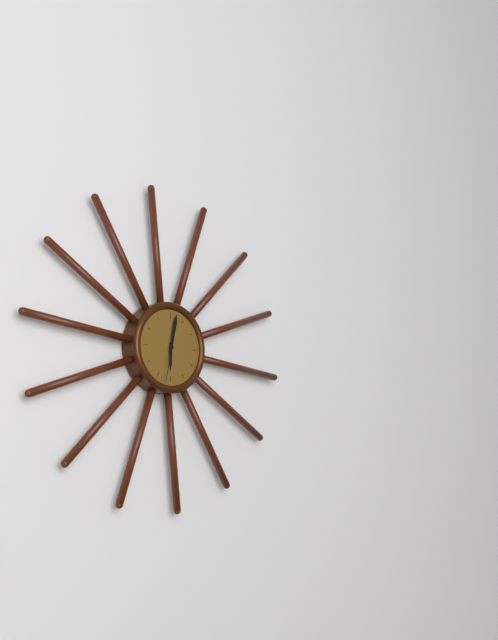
6:02
